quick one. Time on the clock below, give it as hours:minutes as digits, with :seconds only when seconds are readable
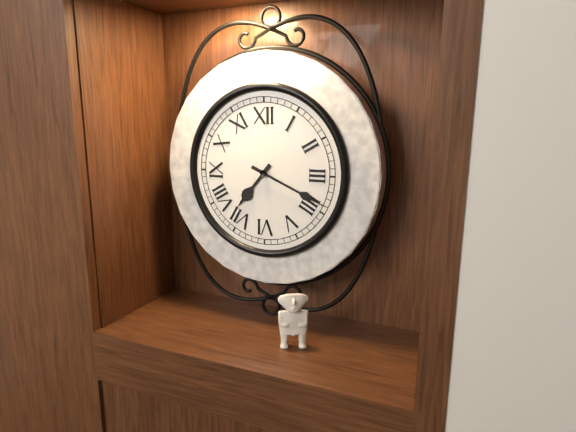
7:19
